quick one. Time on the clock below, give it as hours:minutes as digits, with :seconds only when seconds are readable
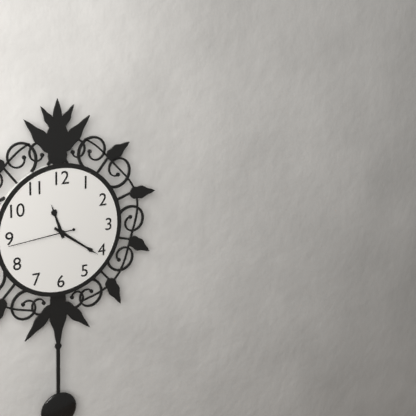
11:21:44
